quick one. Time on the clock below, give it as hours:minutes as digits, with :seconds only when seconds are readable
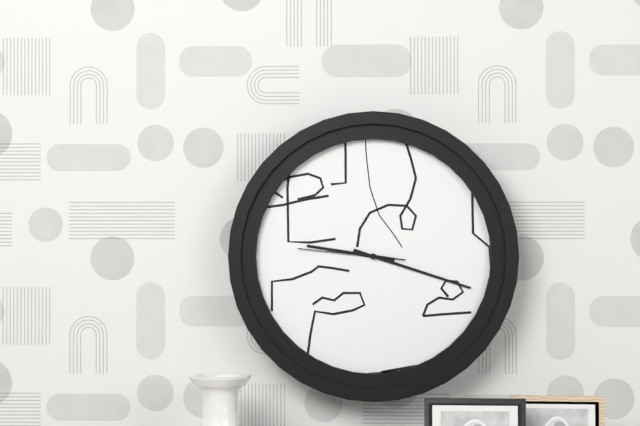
9:18:46
